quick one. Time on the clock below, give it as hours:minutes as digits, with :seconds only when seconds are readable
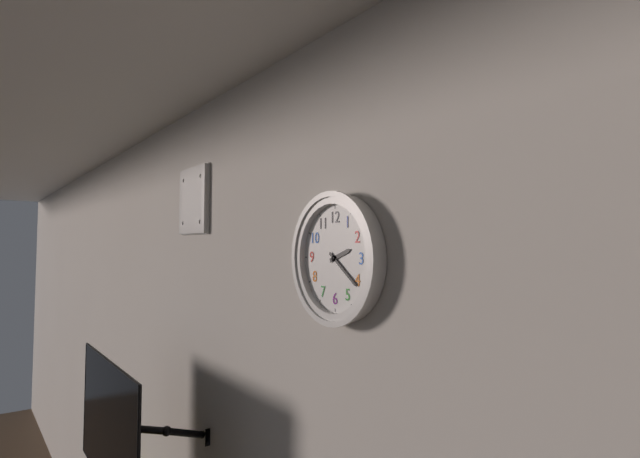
2:21
